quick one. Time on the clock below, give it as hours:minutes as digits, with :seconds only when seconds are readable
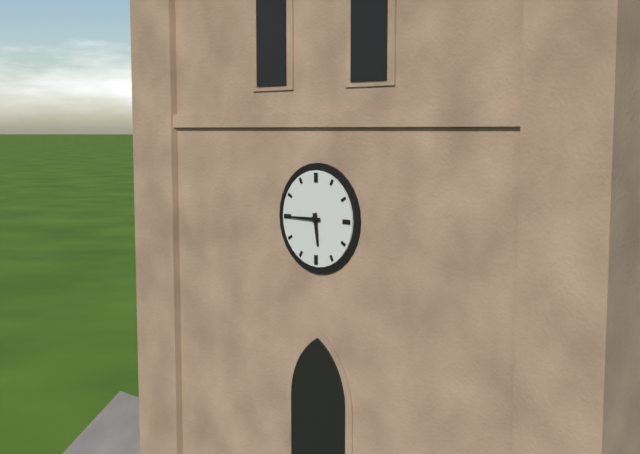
5:45
